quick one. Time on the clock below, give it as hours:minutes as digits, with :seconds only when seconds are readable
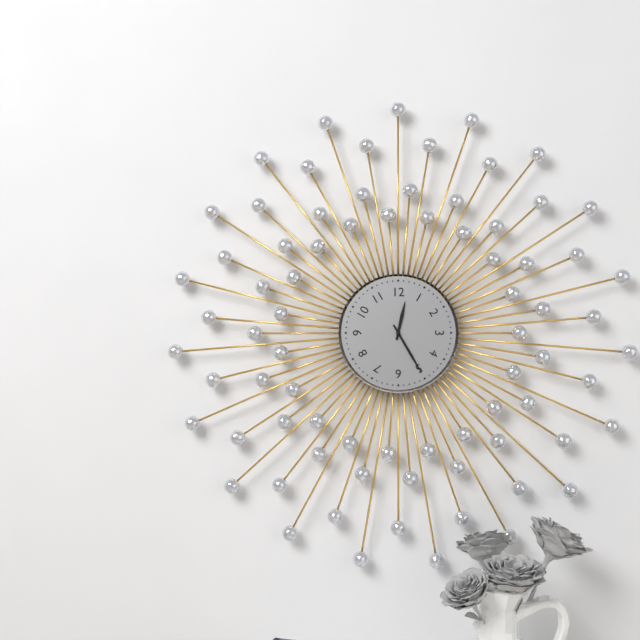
12:25
